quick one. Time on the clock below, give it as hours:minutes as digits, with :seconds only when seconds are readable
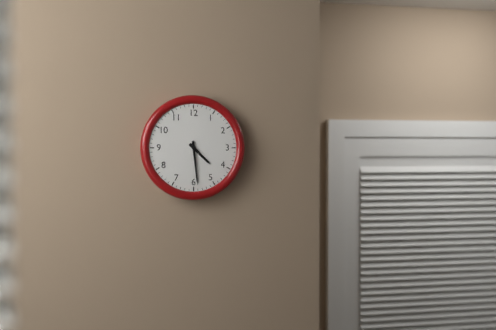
4:29
